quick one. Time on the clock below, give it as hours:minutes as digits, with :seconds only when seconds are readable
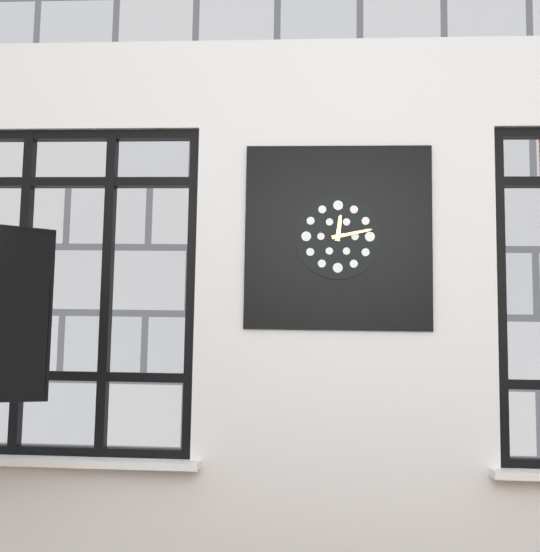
12:13
